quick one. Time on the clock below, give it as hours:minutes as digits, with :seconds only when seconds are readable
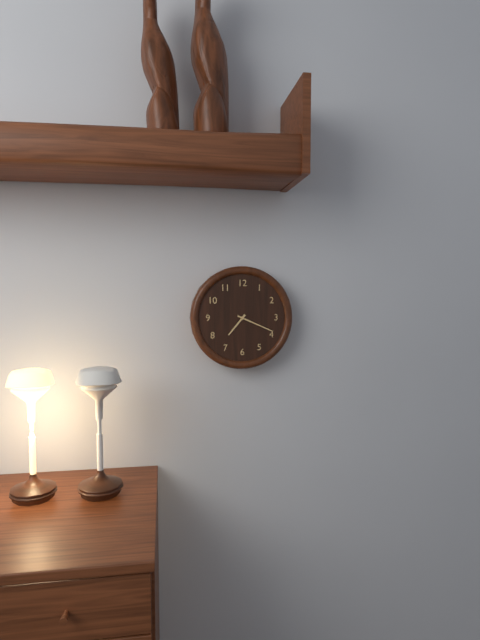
7:19
